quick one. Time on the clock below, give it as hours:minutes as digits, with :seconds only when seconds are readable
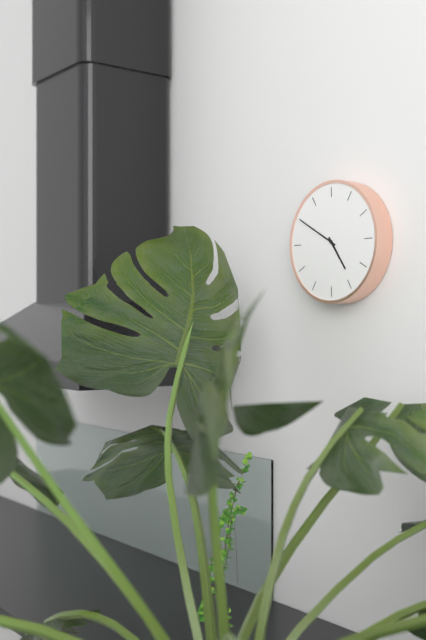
4:50
